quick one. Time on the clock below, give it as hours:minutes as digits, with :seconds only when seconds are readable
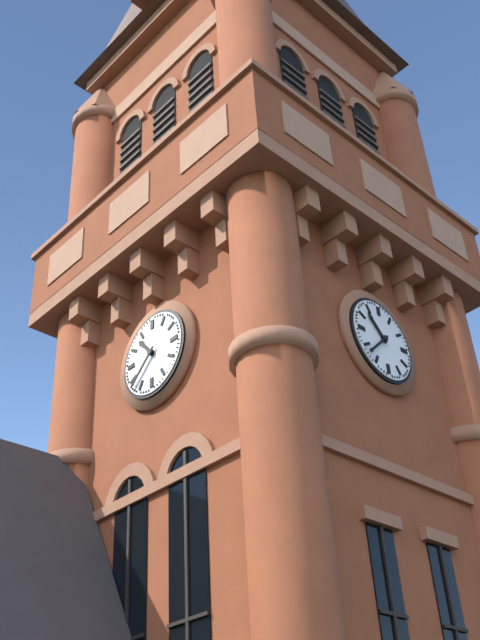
10:38
